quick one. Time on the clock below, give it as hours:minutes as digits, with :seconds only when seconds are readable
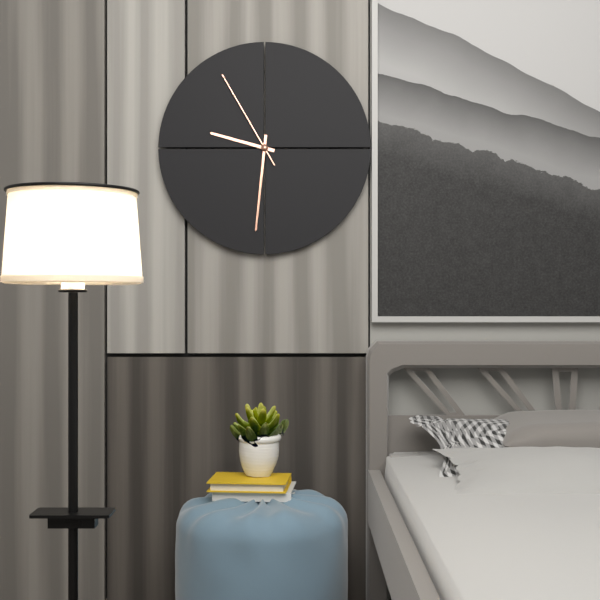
9:31:55
